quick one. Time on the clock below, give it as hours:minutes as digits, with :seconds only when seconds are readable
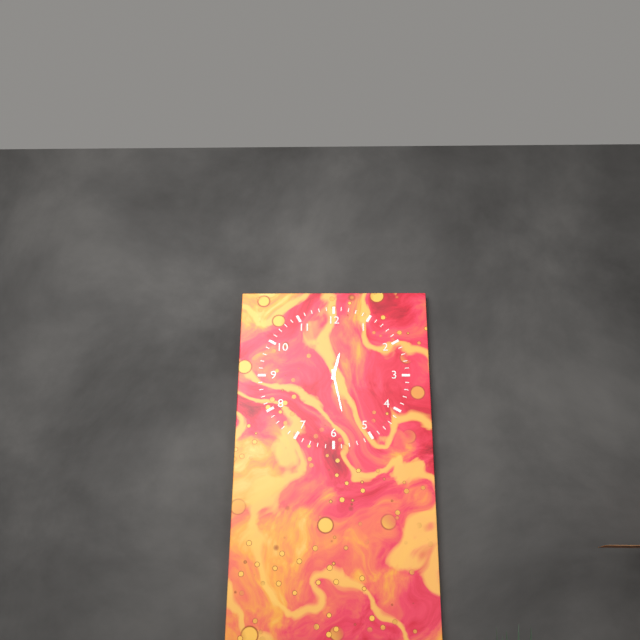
12:28
